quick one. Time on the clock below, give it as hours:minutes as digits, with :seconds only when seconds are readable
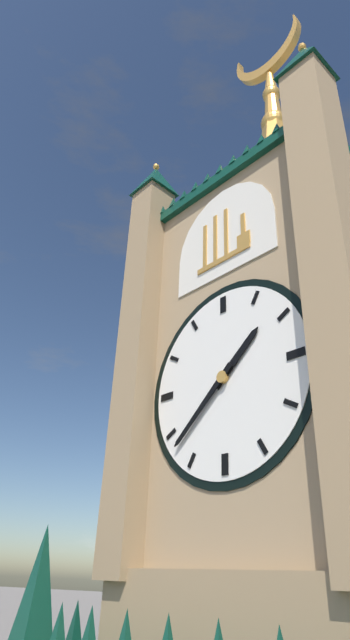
1:38
